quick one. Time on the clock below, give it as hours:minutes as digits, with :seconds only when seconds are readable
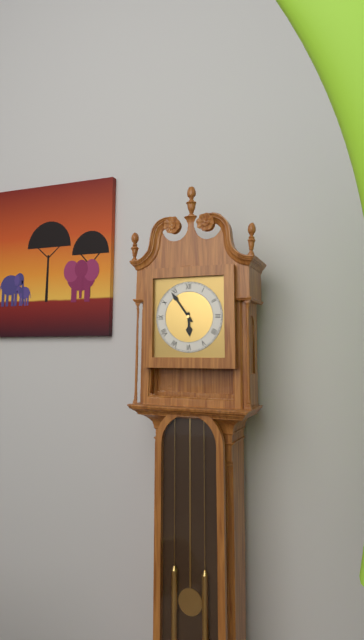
5:54
